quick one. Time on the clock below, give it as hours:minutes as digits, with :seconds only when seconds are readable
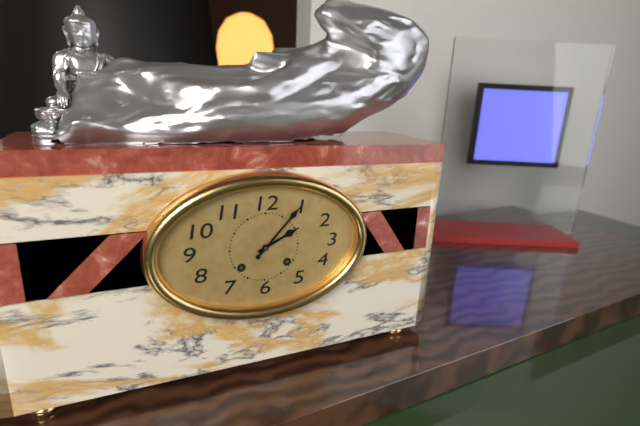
2:07
